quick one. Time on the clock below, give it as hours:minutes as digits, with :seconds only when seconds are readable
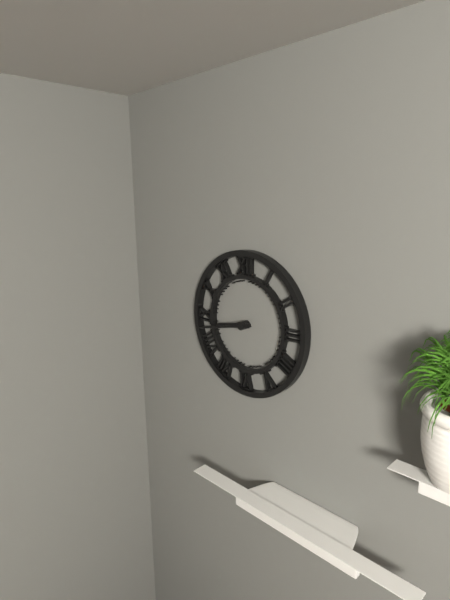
8:43
